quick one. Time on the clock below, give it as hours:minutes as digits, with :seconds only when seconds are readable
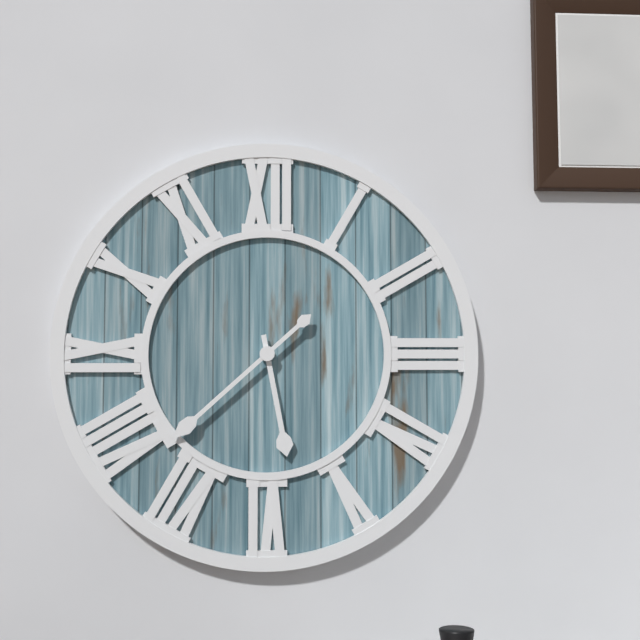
5:38
